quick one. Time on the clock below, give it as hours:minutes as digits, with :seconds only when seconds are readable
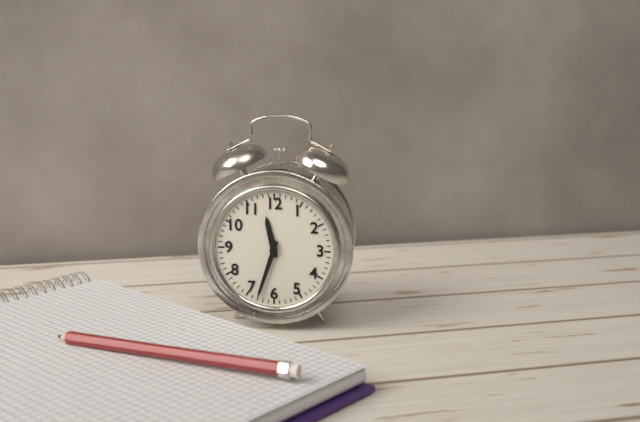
11:33
